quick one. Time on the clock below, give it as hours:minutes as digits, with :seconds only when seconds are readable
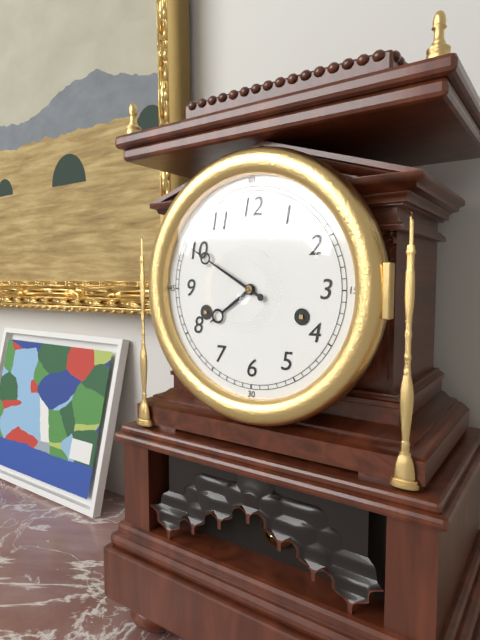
7:50
